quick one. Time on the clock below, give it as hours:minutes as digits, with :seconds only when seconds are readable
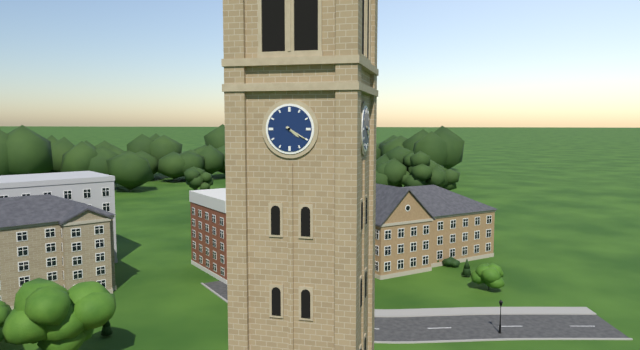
4:20
